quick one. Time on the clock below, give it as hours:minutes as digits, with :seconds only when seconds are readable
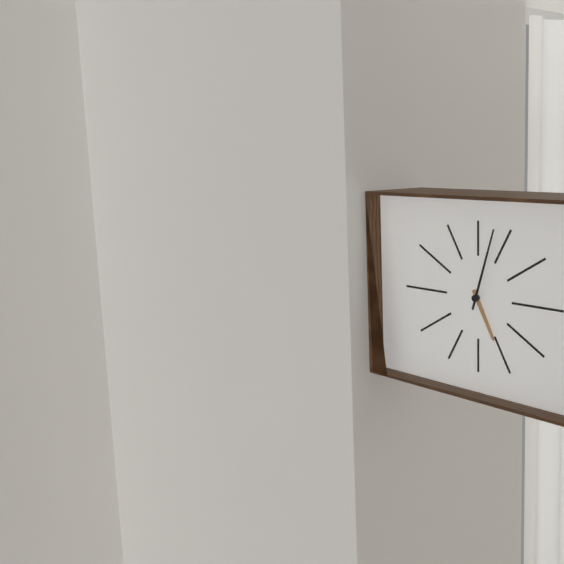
5:03
